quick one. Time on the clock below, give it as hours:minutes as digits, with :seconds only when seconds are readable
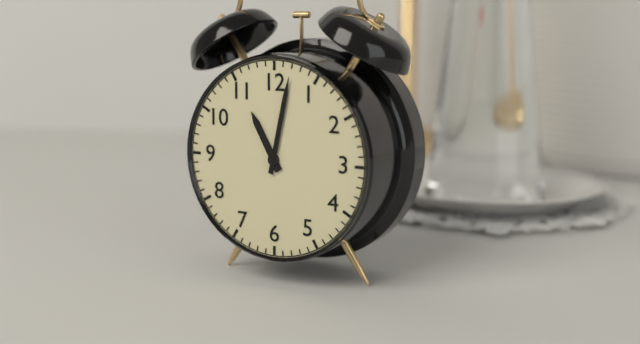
11:02
